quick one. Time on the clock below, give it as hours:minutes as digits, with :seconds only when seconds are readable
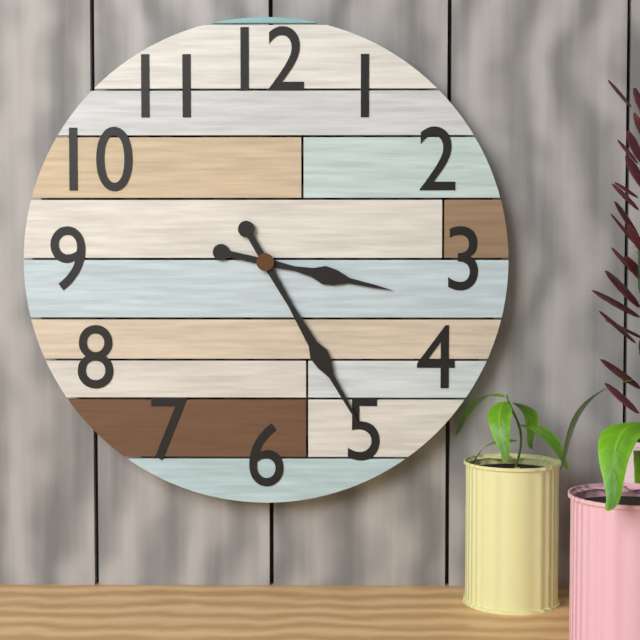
3:25
